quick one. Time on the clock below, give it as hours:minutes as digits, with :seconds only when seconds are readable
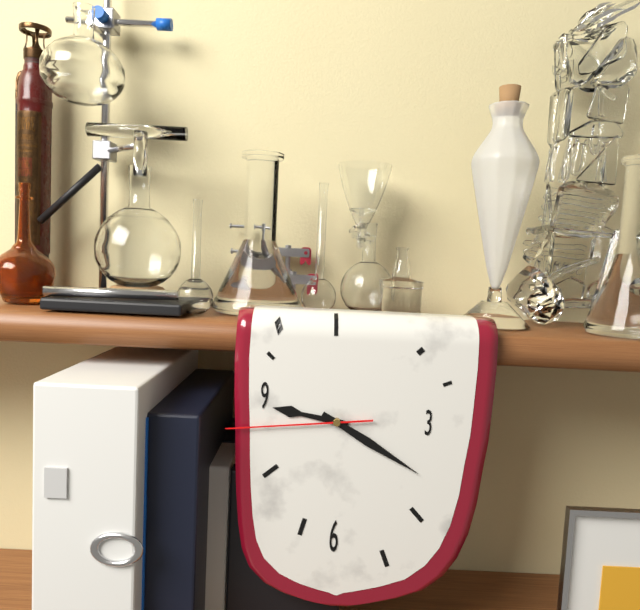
9:20:44
